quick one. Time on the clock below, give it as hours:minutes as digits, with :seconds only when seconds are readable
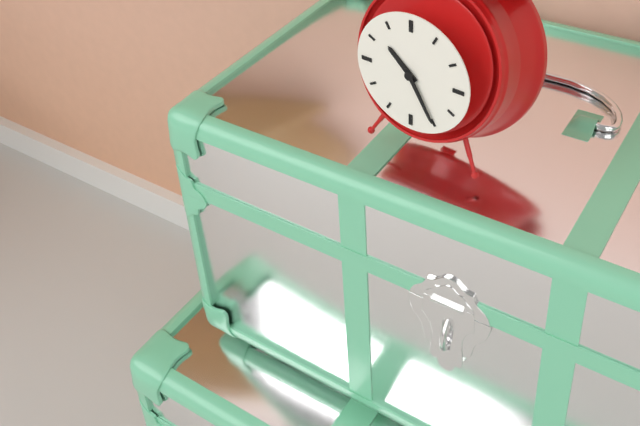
10:25
